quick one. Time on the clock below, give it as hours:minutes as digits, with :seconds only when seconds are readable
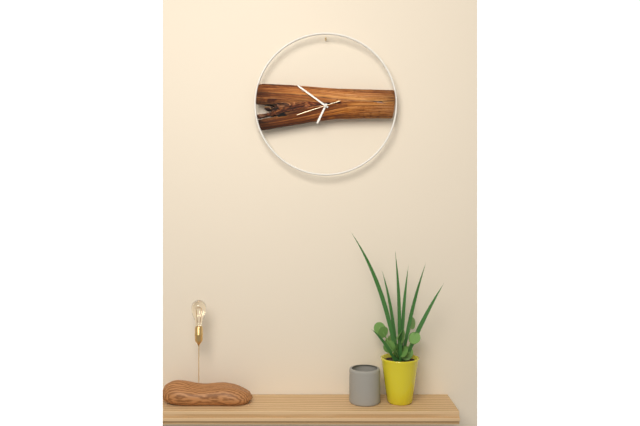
6:51
